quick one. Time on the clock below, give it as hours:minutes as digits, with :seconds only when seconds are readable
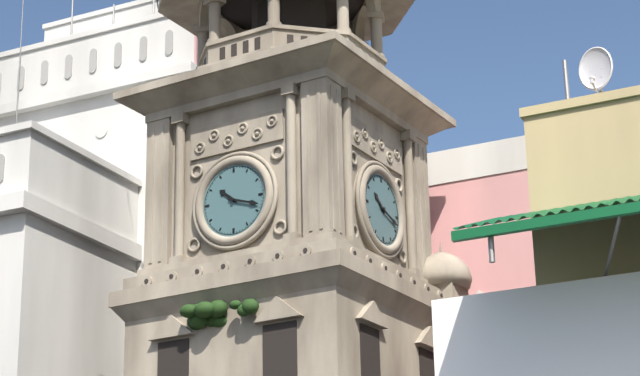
10:18
